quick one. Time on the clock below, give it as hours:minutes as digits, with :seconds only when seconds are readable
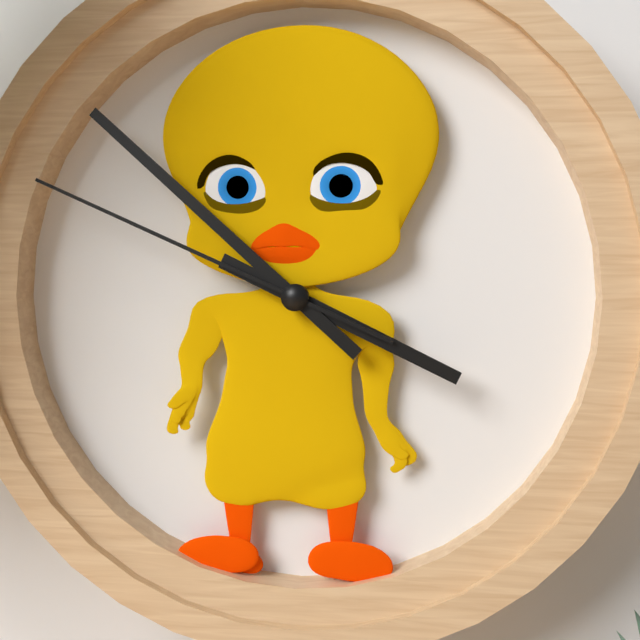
3:52:49
